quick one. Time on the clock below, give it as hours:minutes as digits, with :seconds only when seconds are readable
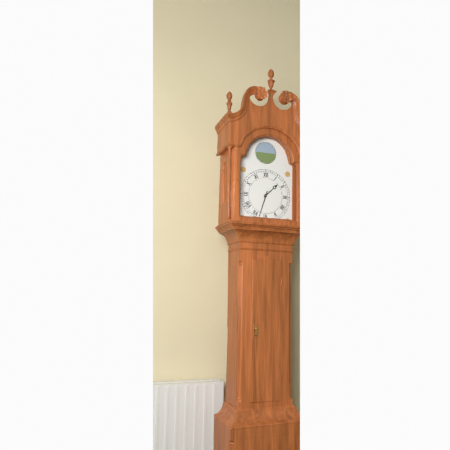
1:33
